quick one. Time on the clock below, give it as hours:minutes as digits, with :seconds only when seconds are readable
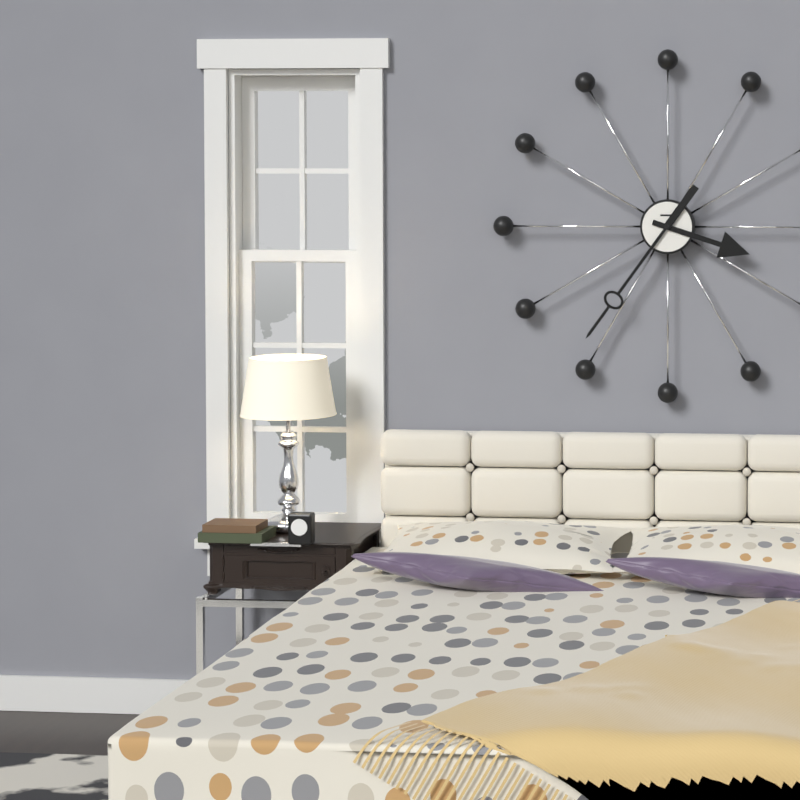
3:36
